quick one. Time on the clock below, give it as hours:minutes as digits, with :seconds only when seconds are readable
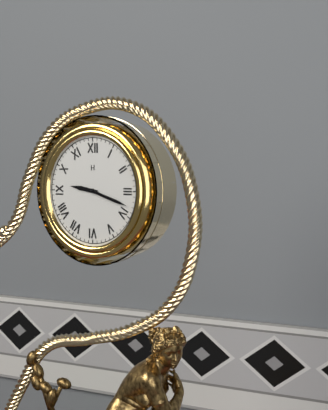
9:18
